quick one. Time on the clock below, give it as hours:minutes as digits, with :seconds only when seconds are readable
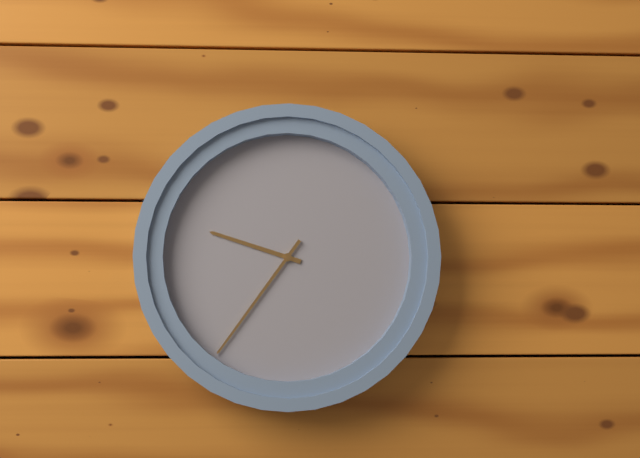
9:36
